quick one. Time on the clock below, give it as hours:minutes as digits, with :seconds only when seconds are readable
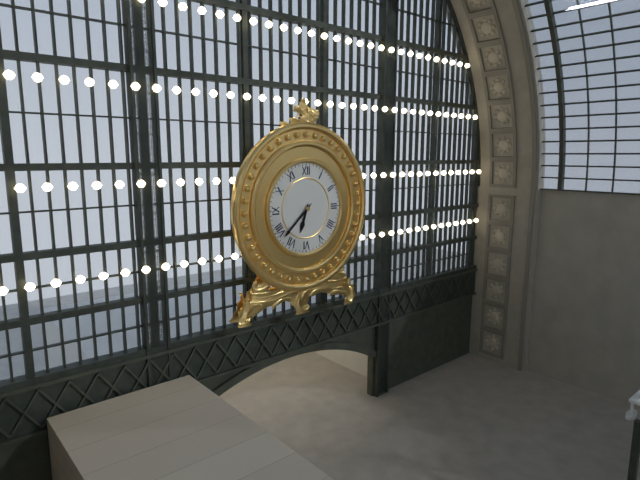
6:38
